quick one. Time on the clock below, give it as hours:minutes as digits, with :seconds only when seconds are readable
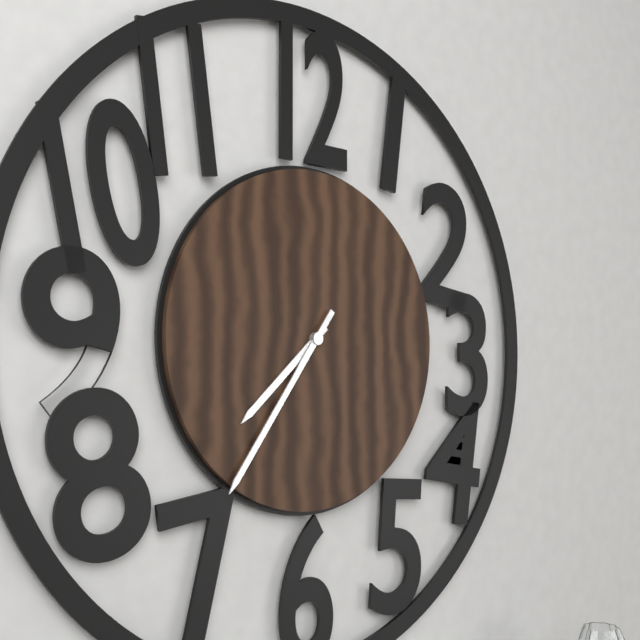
7:36
